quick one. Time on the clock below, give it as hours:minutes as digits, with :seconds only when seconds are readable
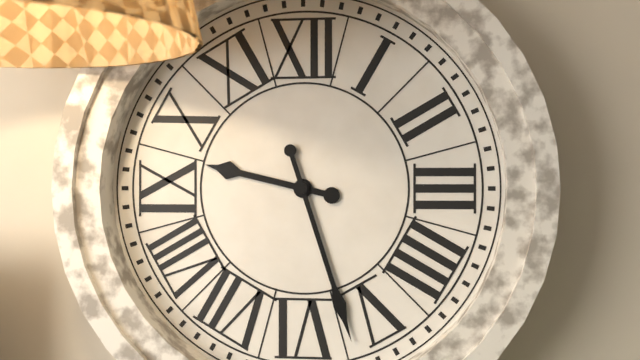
9:27
